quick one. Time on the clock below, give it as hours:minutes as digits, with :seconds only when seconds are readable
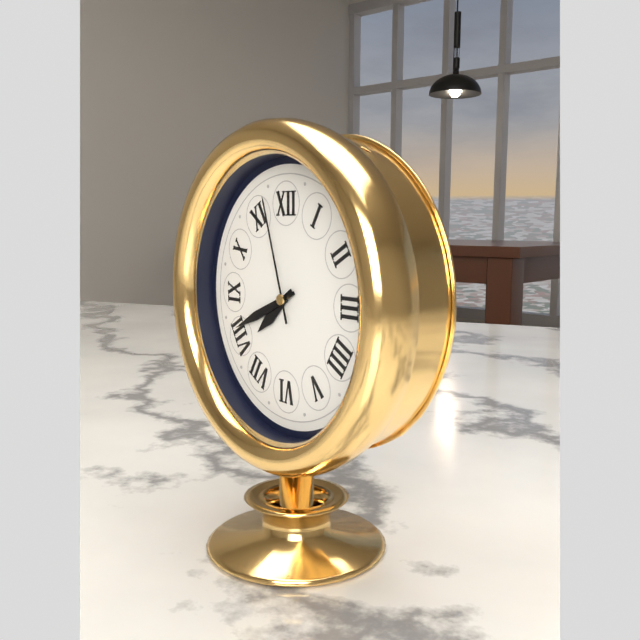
7:41:57
